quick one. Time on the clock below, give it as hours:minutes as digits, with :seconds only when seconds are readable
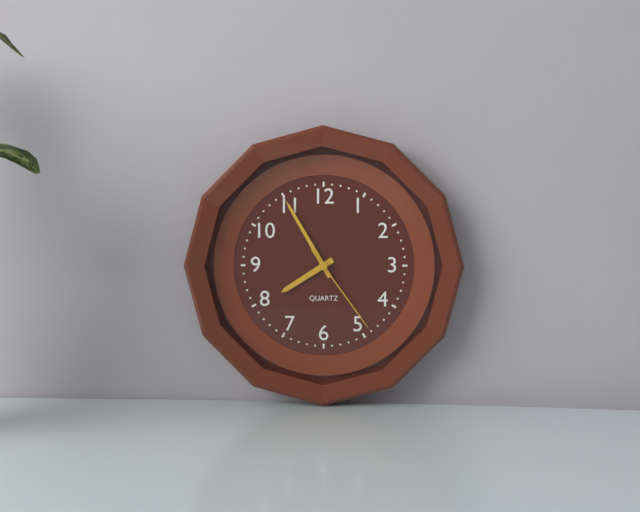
7:55:24
